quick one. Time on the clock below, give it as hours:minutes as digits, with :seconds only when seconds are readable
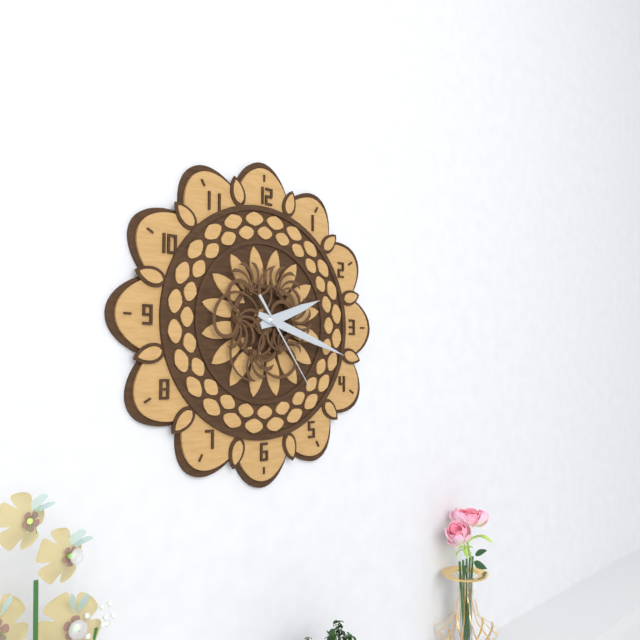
2:18:24
